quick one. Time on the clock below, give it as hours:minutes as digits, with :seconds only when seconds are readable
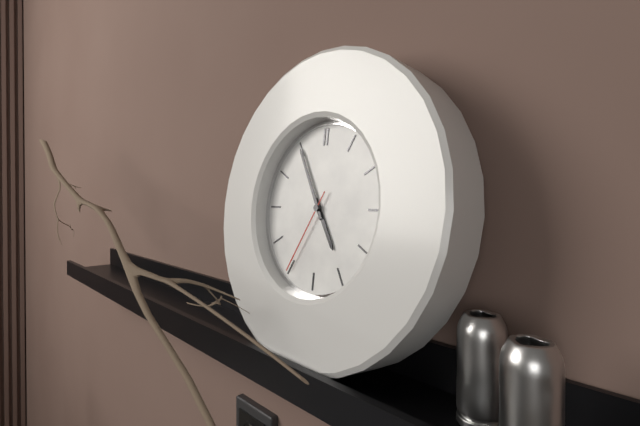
4:55:35
